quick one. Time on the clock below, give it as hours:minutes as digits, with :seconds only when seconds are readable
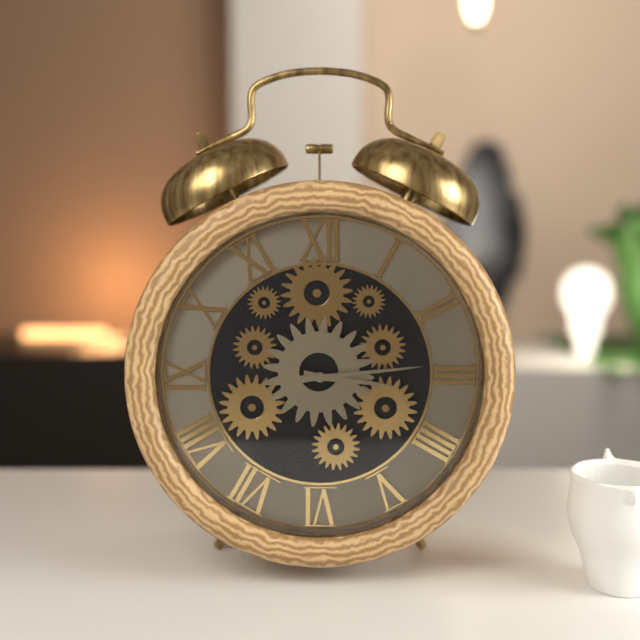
3:14
